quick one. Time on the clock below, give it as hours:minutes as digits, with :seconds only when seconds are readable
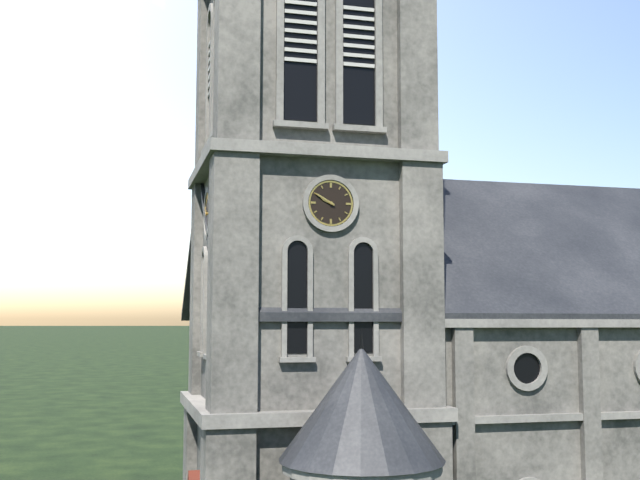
9:50
